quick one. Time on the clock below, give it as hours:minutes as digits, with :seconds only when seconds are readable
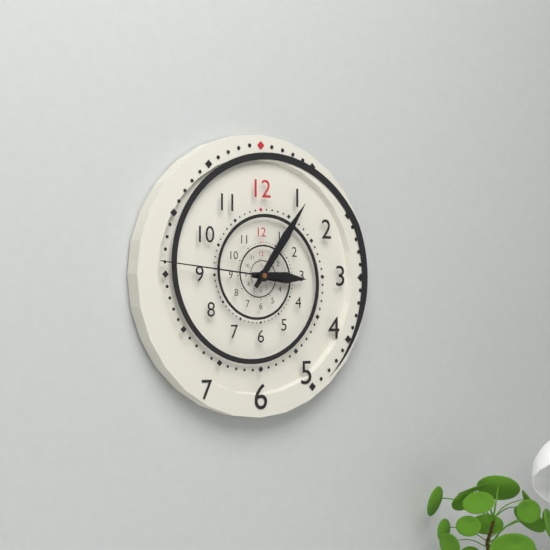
3:06:46
